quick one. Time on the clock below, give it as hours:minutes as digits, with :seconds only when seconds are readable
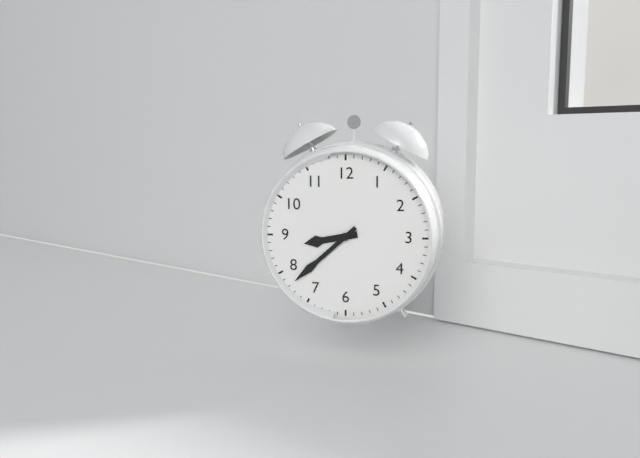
8:38
